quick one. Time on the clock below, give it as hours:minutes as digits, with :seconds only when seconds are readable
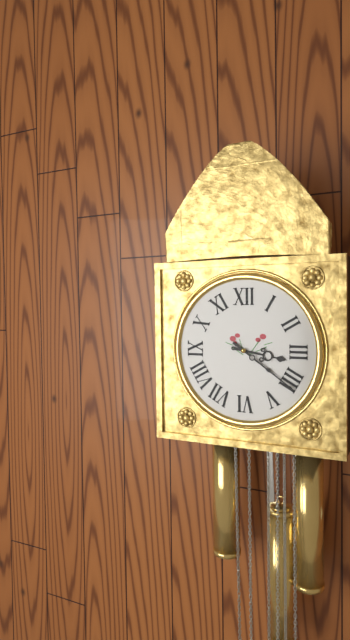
3:21
